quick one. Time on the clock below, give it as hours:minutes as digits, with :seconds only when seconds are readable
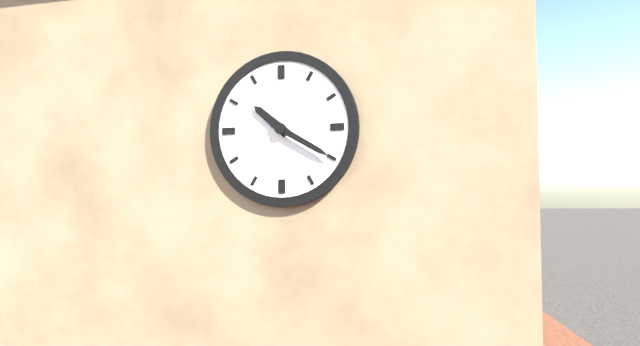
10:20
